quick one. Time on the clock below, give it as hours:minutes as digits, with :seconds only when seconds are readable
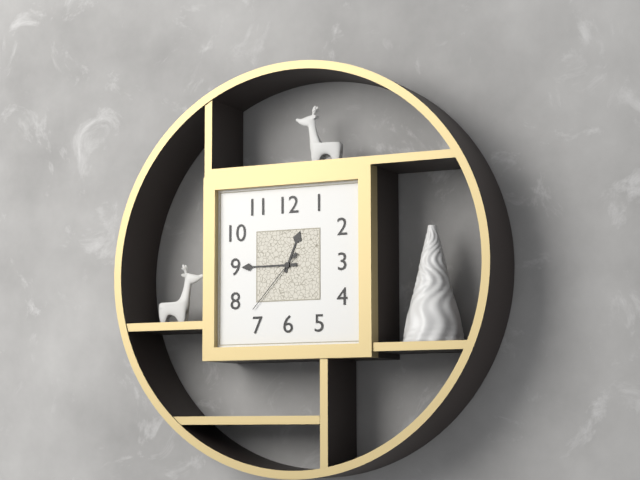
12:45:37
